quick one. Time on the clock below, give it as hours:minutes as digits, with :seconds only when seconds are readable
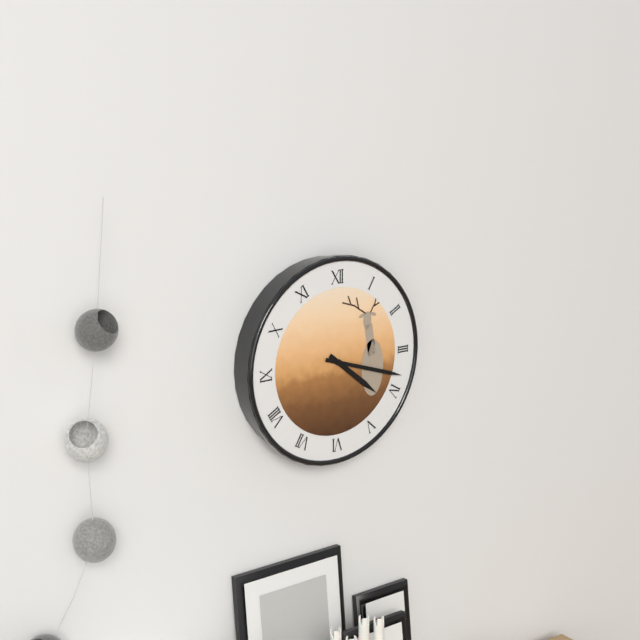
4:18
